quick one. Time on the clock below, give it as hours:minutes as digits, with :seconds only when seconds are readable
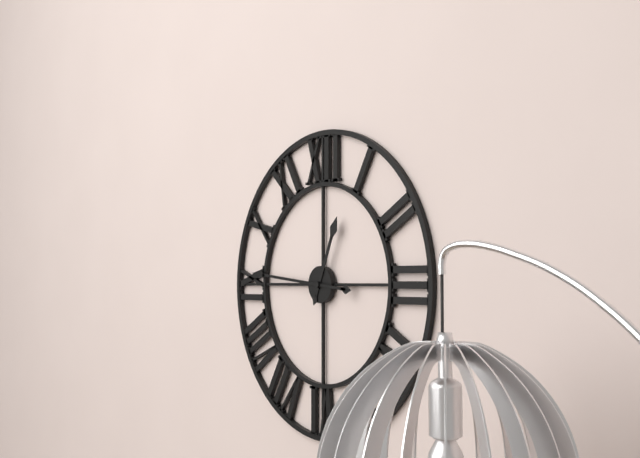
12:46
